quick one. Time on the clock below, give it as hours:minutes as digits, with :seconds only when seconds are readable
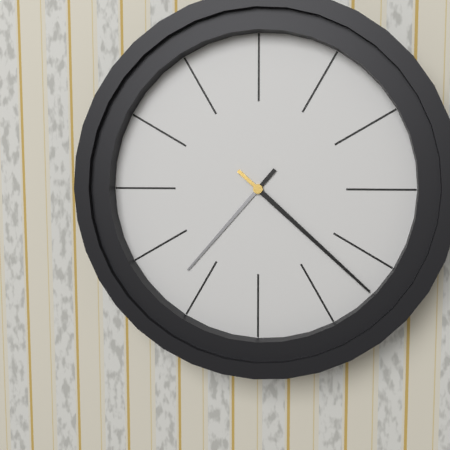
7:22
